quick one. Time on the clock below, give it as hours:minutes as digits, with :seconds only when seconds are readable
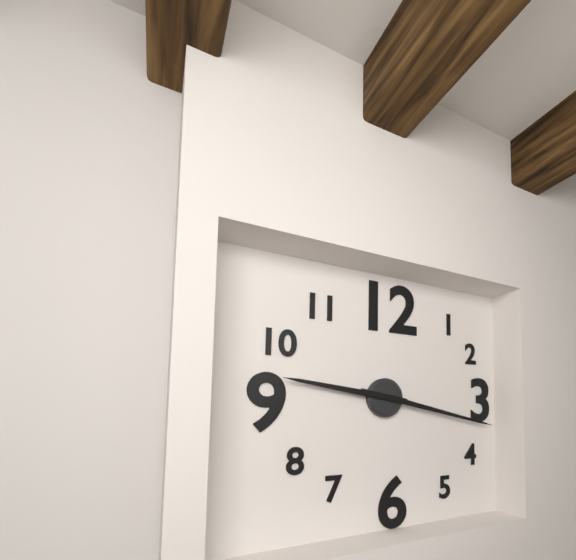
9:17
